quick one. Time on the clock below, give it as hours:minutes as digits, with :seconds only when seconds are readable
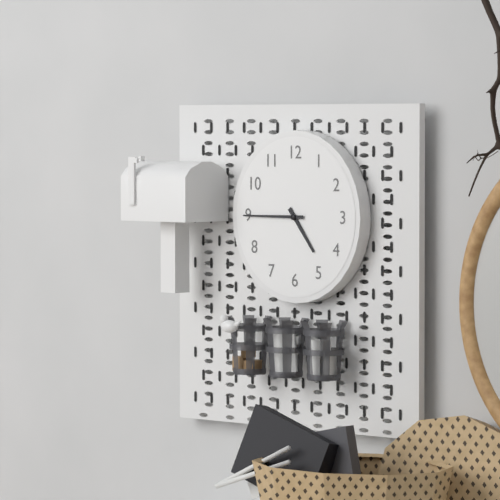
4:45
